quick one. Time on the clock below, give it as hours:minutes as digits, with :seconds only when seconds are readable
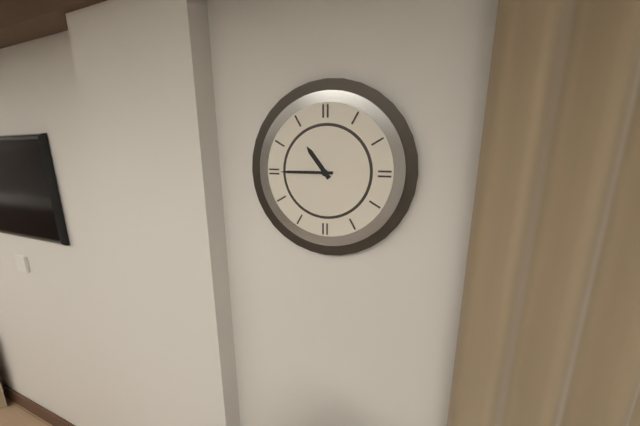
10:45
